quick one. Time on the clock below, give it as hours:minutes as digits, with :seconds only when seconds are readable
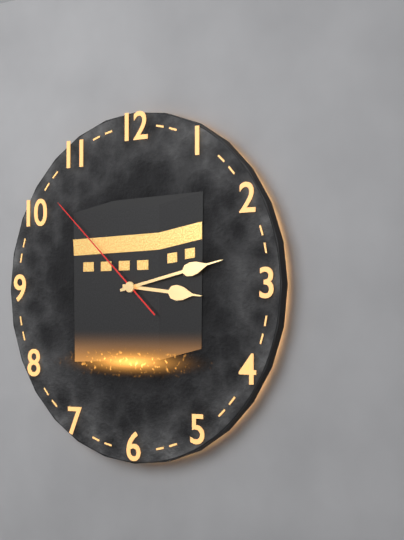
3:13:52
